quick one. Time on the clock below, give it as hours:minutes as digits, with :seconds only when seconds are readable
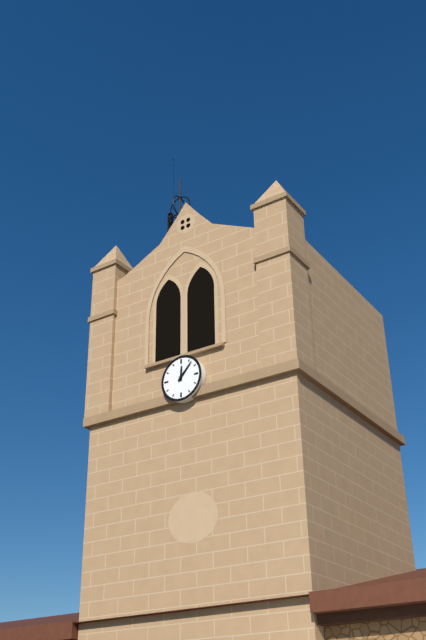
12:07
